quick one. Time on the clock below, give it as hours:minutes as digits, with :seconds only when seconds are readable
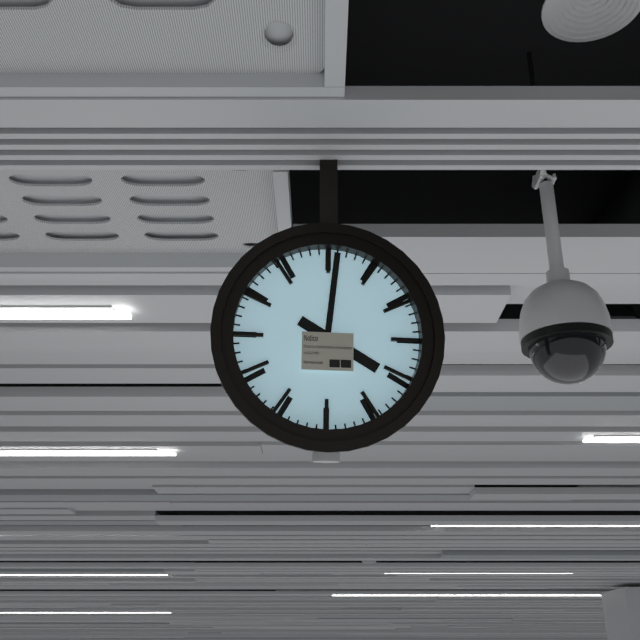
4:01
